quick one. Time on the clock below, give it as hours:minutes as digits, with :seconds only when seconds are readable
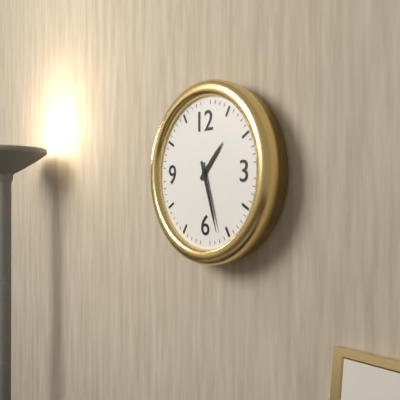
1:27
